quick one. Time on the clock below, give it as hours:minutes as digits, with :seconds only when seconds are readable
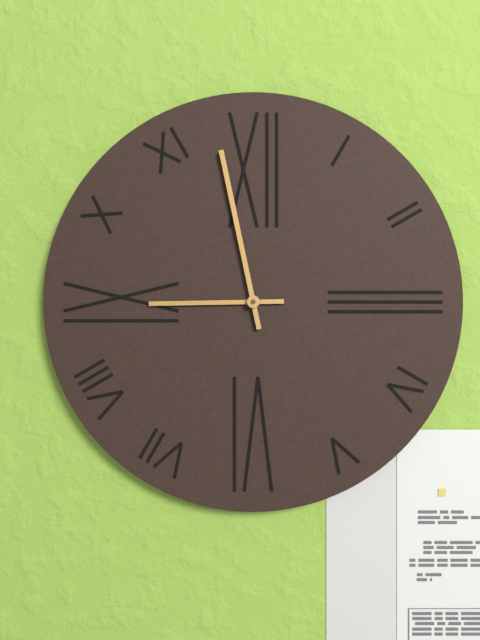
8:58
